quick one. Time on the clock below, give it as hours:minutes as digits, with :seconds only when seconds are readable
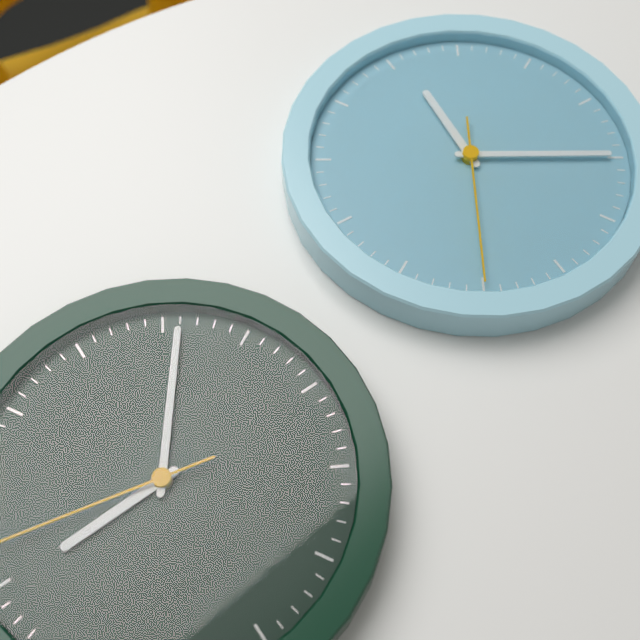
6:56
